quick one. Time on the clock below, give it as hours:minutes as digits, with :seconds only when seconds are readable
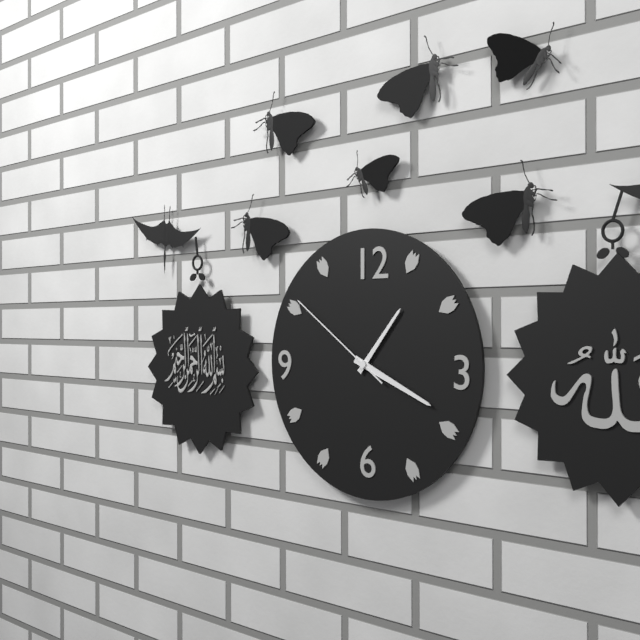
1:19:51
